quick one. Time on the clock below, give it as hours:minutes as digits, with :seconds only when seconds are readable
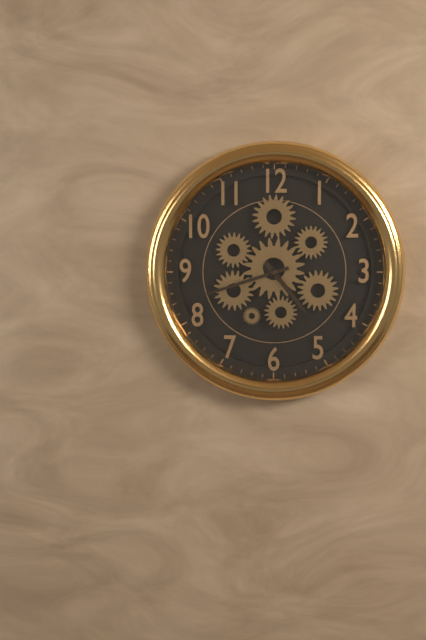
4:42
